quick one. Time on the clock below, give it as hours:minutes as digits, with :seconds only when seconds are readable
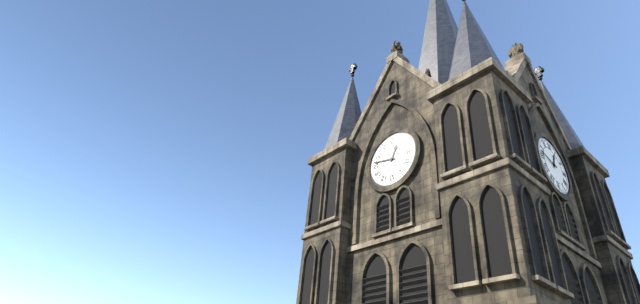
12:47
